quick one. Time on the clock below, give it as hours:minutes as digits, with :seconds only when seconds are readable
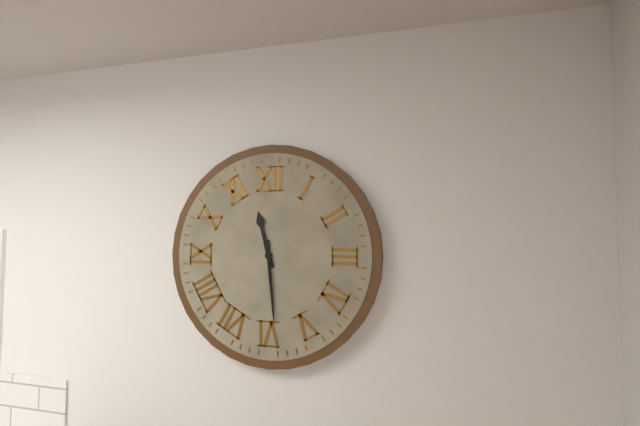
11:29
